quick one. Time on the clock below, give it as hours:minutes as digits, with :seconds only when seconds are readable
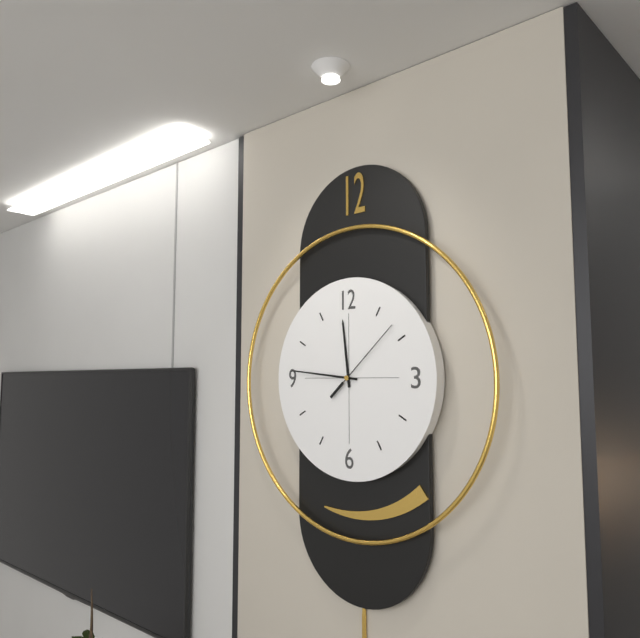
11:46:08
